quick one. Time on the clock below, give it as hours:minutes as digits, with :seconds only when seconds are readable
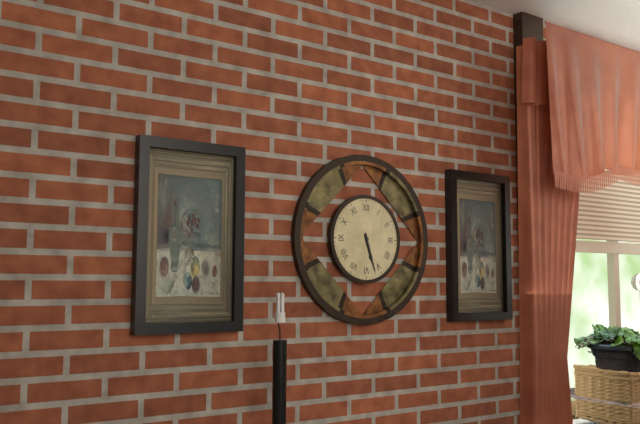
5:27
